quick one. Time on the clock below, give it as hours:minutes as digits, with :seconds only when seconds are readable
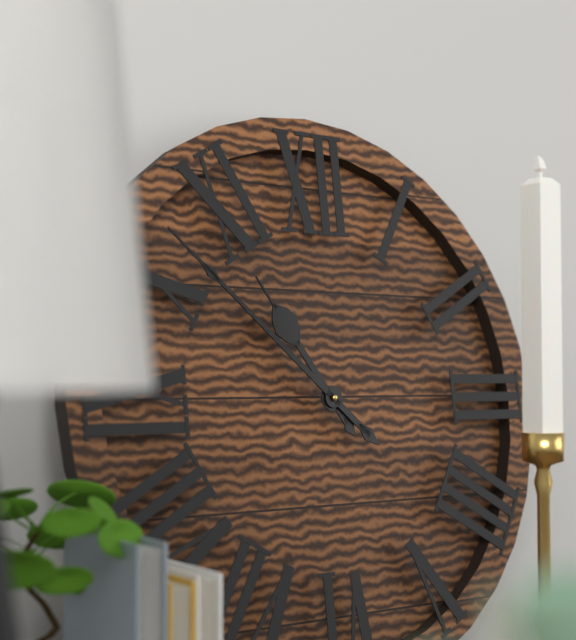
10:52
